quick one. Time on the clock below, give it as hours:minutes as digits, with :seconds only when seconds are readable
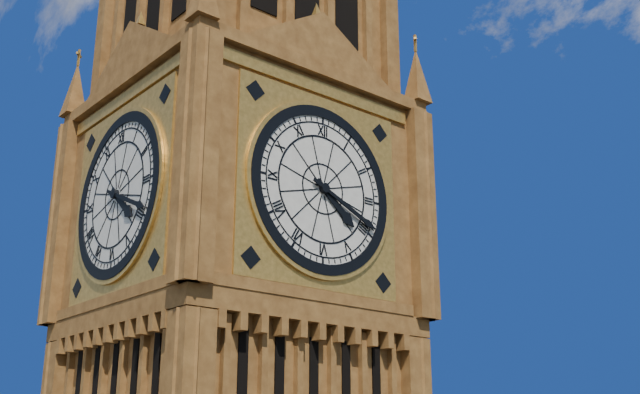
4:19
